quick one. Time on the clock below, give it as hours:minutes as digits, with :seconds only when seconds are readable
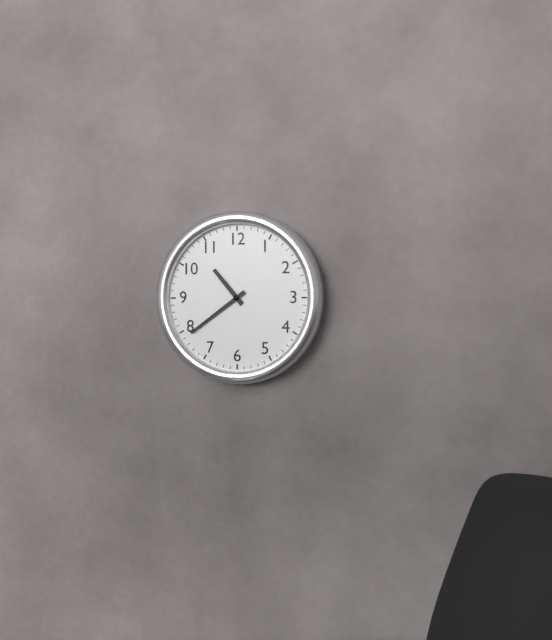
10:39
